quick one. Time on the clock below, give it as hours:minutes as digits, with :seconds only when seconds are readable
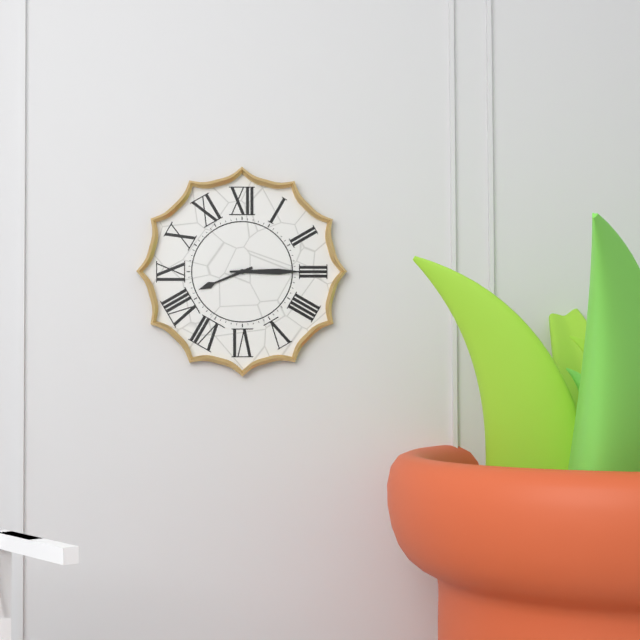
8:15
